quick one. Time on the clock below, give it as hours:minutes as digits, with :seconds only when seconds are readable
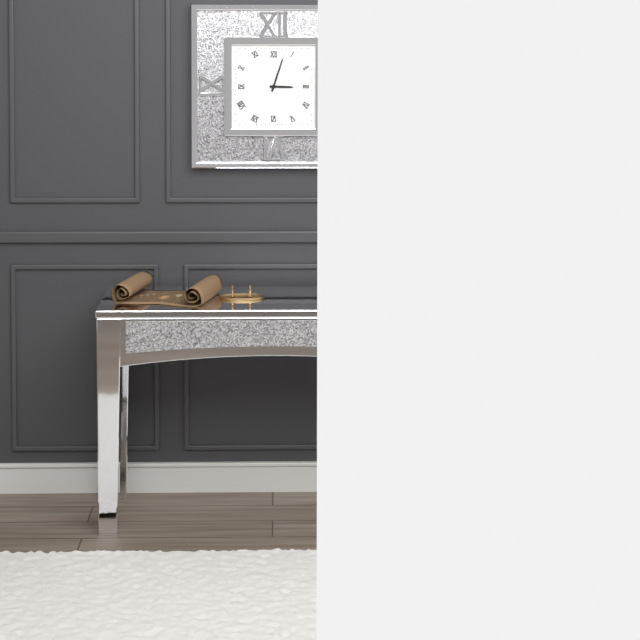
3:03
